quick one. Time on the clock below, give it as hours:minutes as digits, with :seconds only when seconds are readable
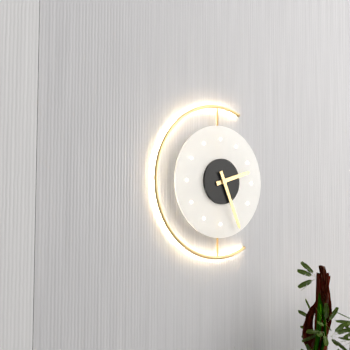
2:26
